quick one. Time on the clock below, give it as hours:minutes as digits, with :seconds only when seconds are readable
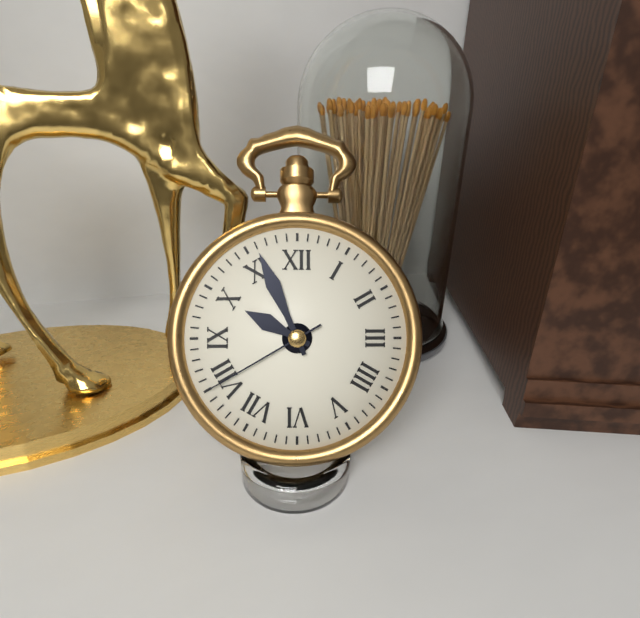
9:56:40
